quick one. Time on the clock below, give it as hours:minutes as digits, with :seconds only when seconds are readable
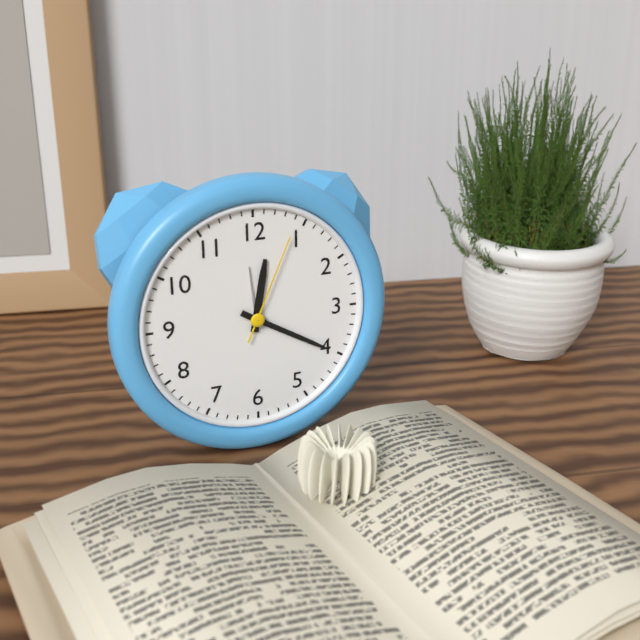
12:20:04
